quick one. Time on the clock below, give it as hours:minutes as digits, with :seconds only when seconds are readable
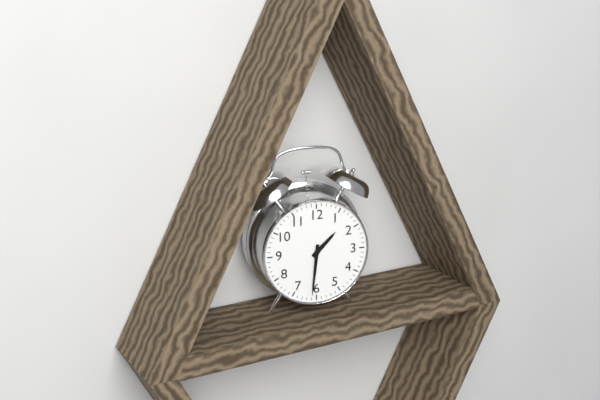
1:31
